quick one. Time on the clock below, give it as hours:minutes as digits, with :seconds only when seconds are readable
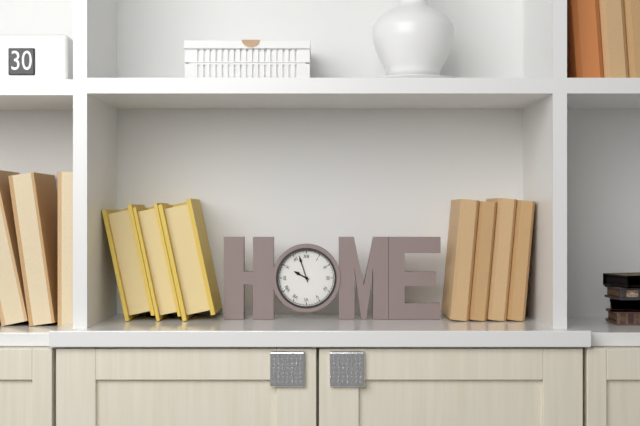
9:57
